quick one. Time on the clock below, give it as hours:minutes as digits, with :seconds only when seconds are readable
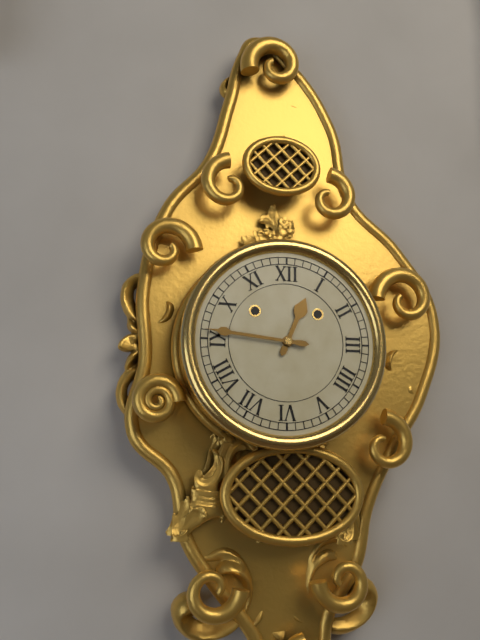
12:46
